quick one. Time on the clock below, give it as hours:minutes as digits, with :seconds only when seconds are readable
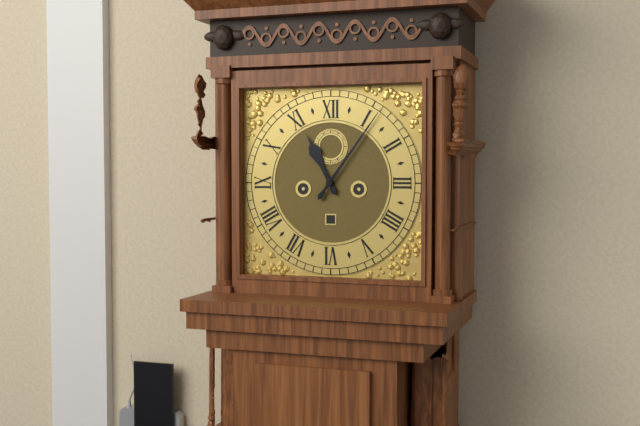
11:06
